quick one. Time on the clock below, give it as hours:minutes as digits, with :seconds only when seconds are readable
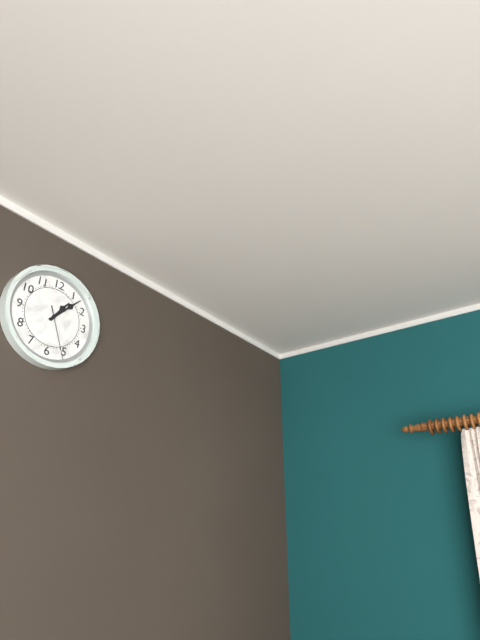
1:07:26
